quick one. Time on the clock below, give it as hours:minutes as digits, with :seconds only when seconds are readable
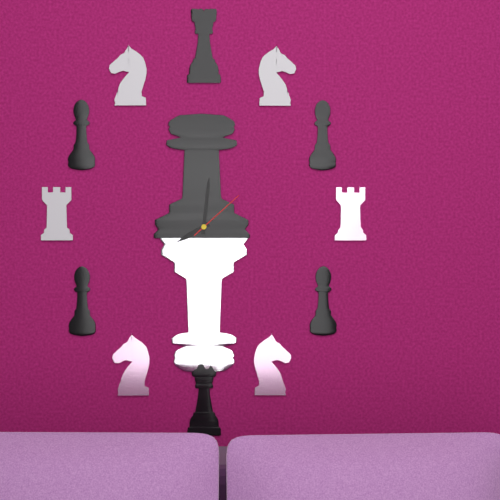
8:01:08
